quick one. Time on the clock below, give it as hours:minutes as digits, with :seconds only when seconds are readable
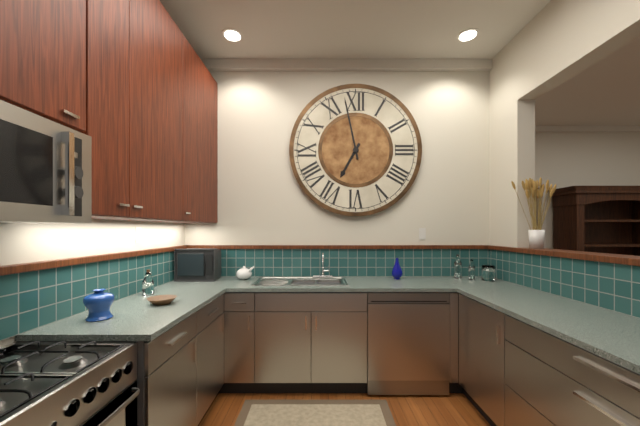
6:58
